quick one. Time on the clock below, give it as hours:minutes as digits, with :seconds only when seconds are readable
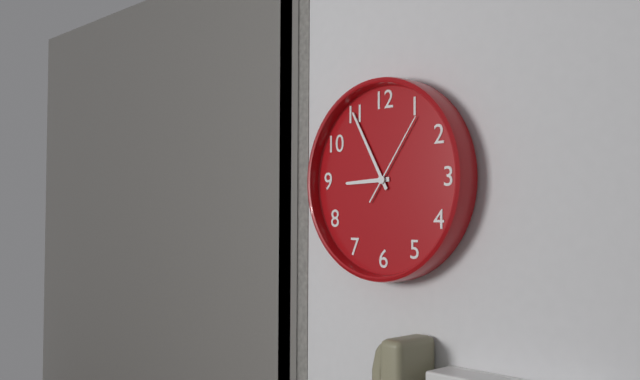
8:55:06
